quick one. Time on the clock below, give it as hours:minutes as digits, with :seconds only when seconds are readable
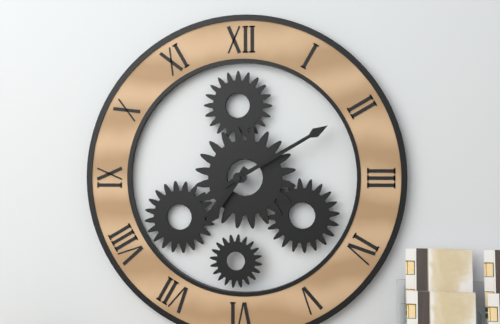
7:10
